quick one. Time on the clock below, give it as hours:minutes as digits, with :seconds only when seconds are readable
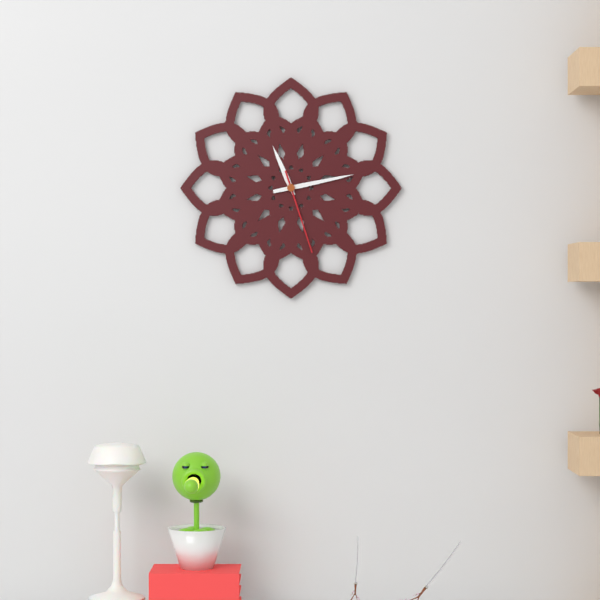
11:13:27
